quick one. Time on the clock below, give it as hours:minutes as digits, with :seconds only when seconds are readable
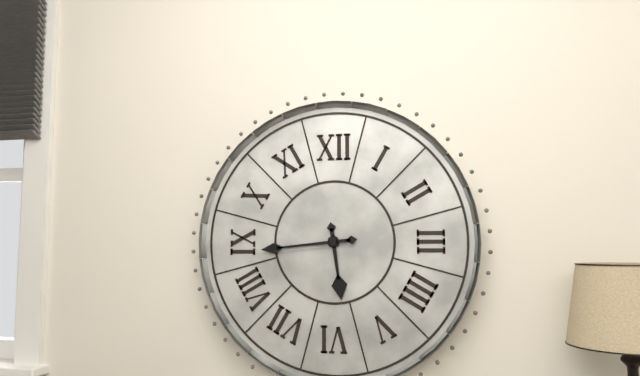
5:44
